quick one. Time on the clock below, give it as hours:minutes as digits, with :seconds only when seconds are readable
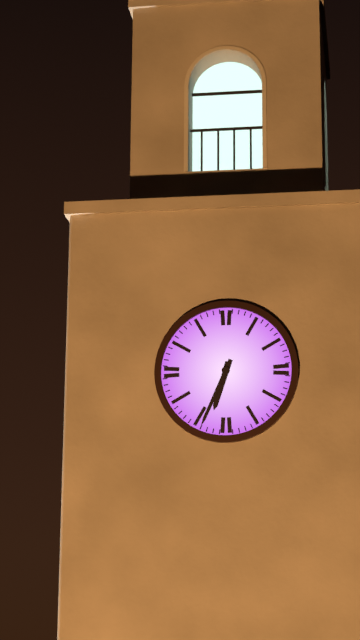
6:34
